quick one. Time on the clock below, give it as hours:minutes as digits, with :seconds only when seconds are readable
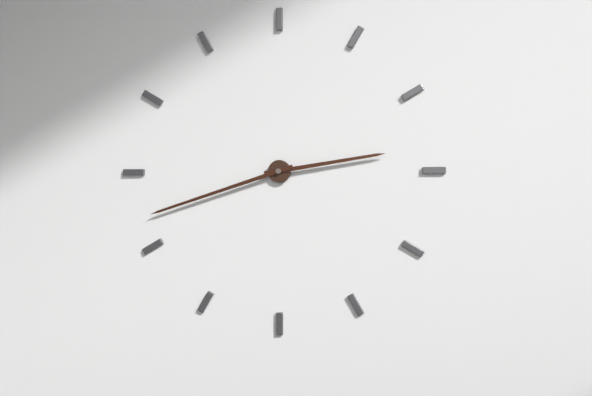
2:42
